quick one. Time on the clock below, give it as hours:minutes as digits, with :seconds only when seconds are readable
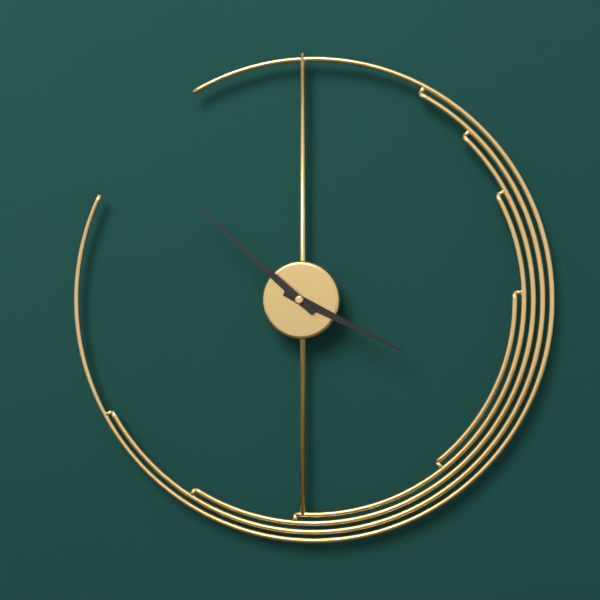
3:52
